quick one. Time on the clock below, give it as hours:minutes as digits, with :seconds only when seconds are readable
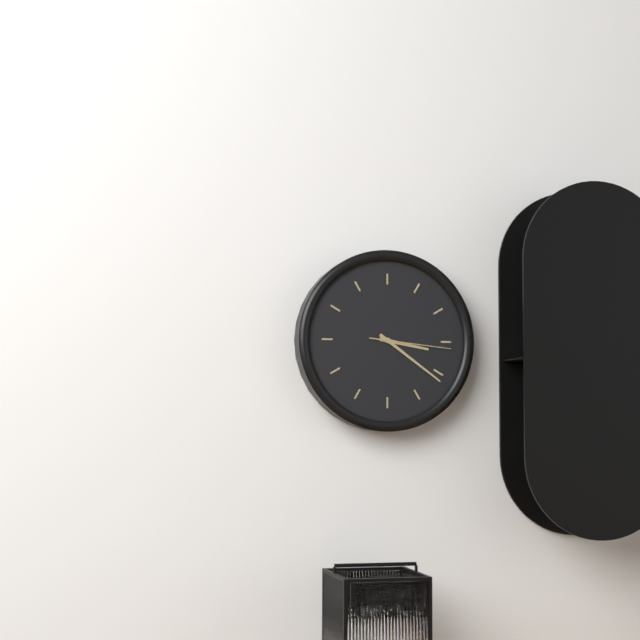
3:21:16
